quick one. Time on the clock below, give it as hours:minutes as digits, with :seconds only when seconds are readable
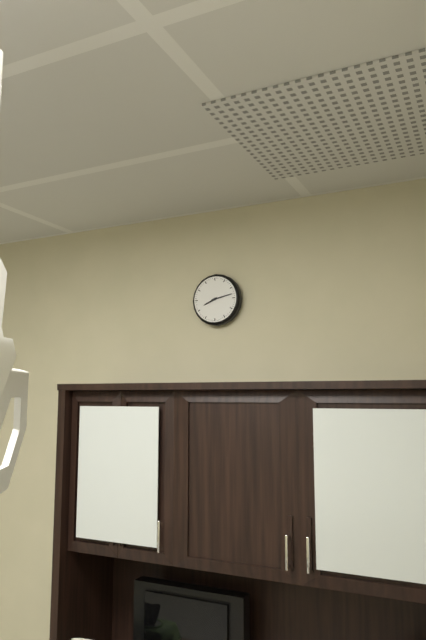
8:13
